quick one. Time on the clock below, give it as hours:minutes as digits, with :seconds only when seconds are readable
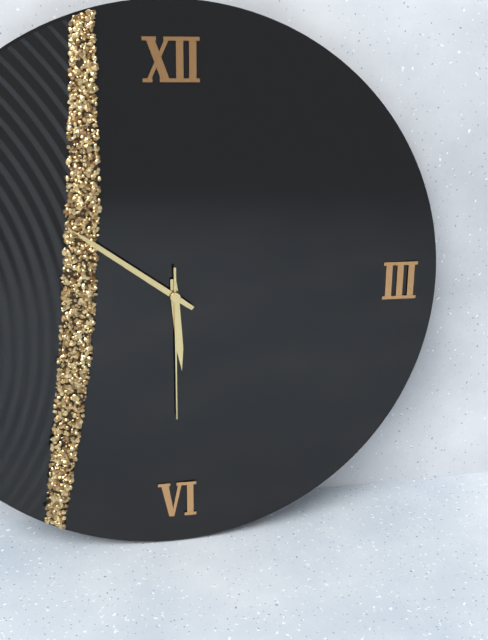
5:51:30
